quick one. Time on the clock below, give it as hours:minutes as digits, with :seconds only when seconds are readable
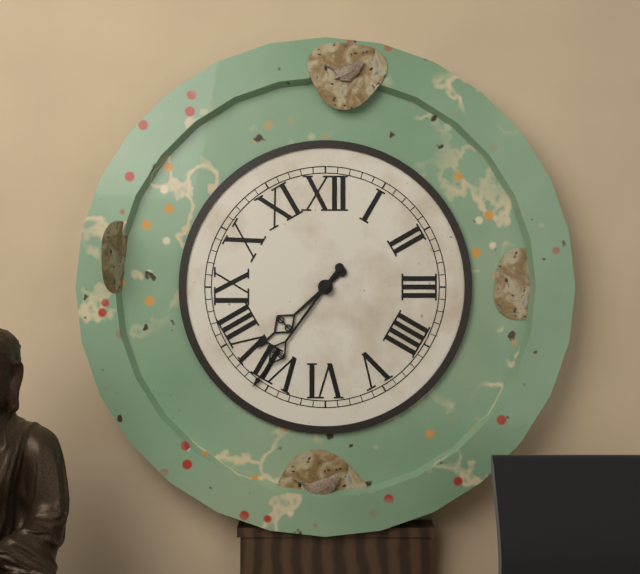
7:36
